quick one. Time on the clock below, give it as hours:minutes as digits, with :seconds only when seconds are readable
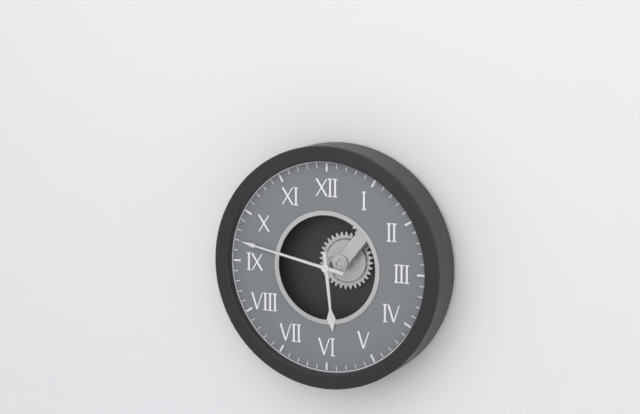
5:47
